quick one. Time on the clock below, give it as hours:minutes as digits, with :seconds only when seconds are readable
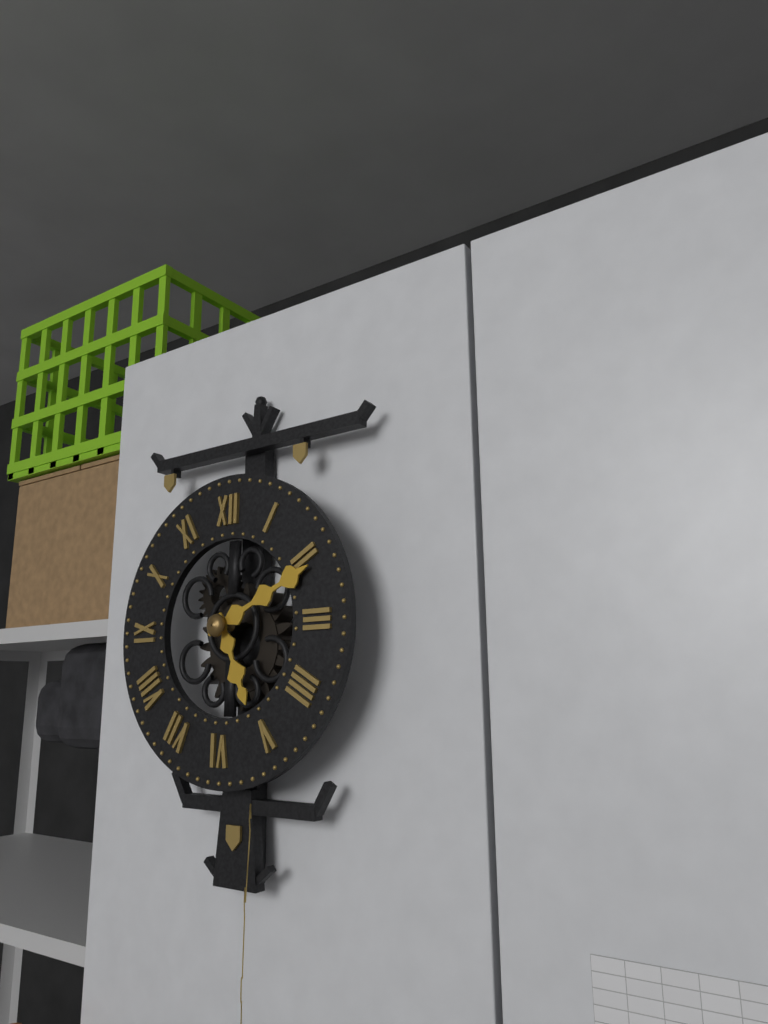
5:11
